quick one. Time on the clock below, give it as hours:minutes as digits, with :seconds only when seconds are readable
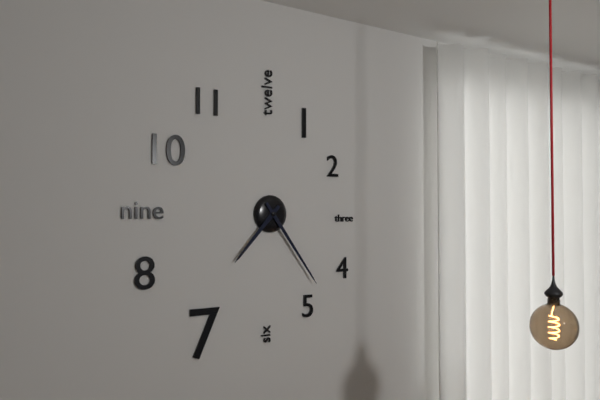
7:24
